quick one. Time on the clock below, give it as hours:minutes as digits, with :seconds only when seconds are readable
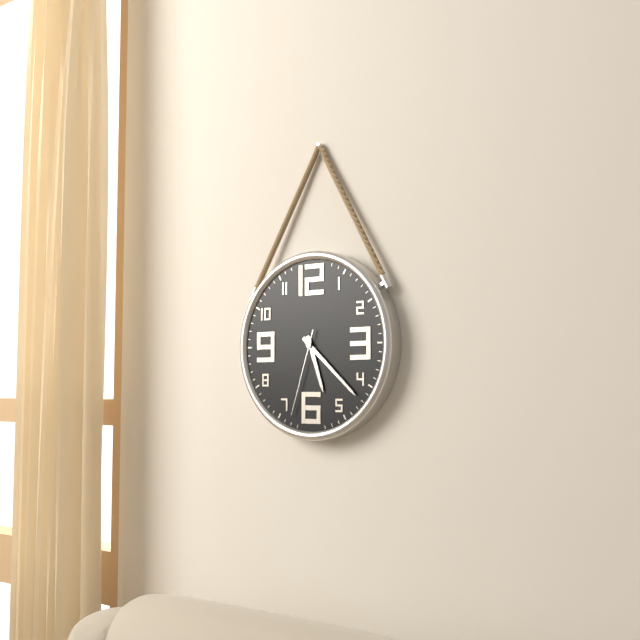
5:22:33
